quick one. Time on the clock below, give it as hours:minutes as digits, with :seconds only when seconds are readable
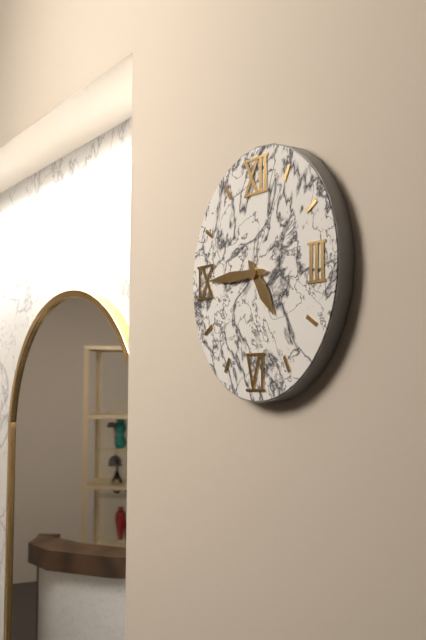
4:45
